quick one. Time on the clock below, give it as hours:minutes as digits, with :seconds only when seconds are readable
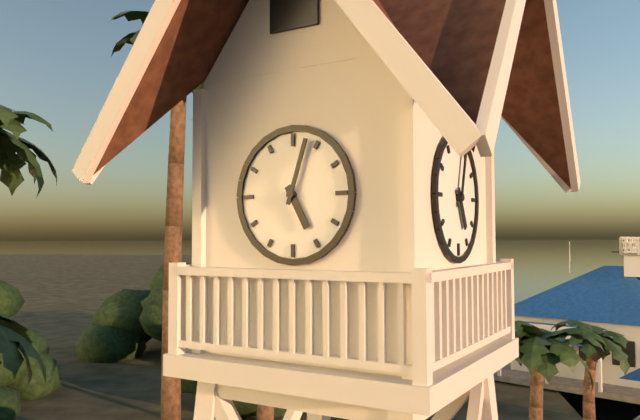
5:03
